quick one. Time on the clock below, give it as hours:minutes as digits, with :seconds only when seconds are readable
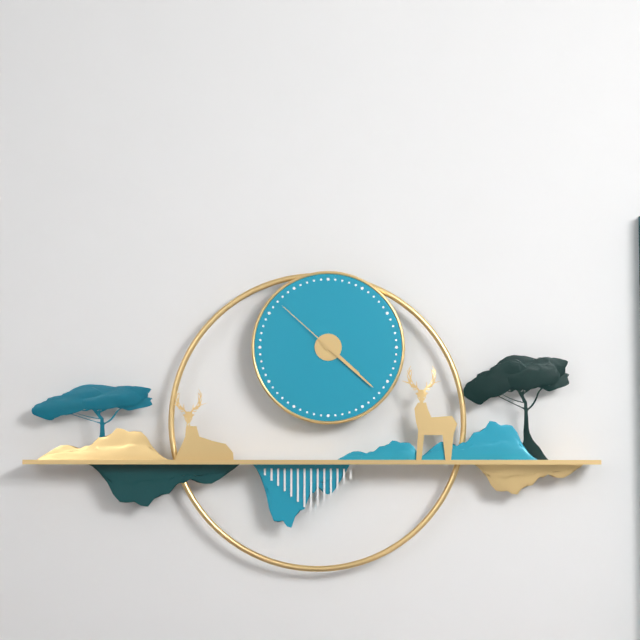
4:22:52
